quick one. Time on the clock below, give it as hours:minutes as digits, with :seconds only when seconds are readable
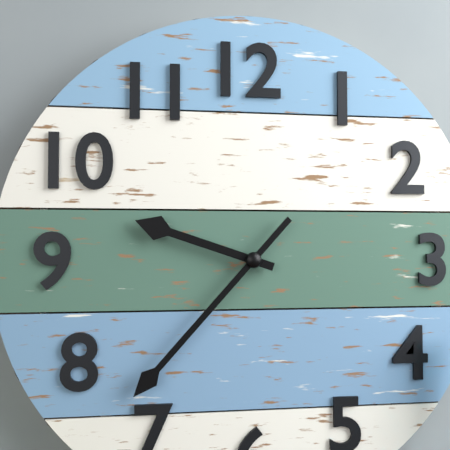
9:37
